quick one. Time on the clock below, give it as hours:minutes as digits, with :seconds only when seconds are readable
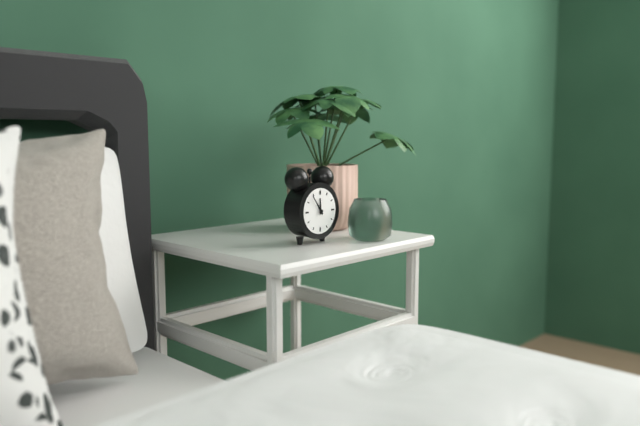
11:54
